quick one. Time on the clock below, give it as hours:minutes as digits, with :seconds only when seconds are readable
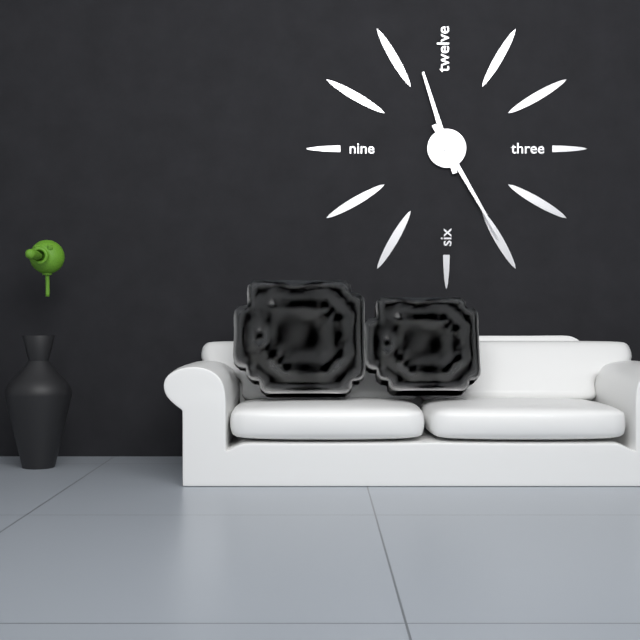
11:25
